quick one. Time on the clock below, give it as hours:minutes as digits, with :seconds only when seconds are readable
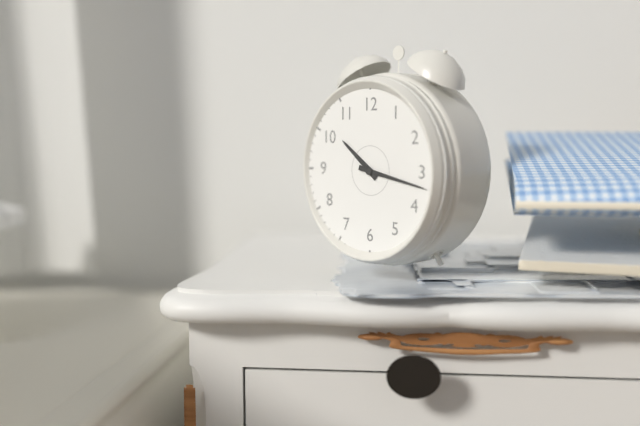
10:17
